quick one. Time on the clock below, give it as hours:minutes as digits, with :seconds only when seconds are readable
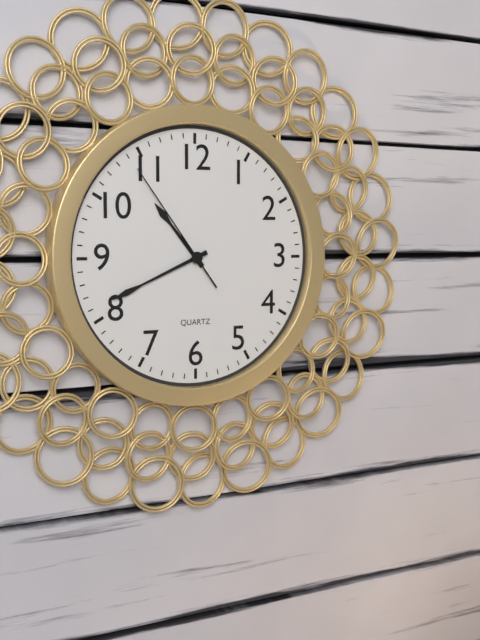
10:41:54
